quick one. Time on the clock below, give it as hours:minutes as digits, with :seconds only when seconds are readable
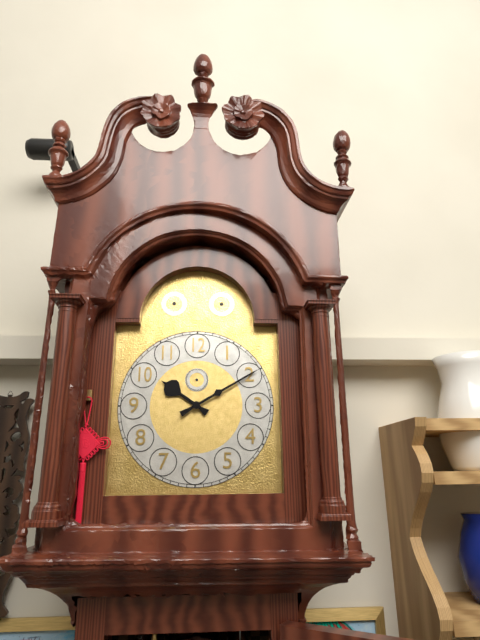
10:10
